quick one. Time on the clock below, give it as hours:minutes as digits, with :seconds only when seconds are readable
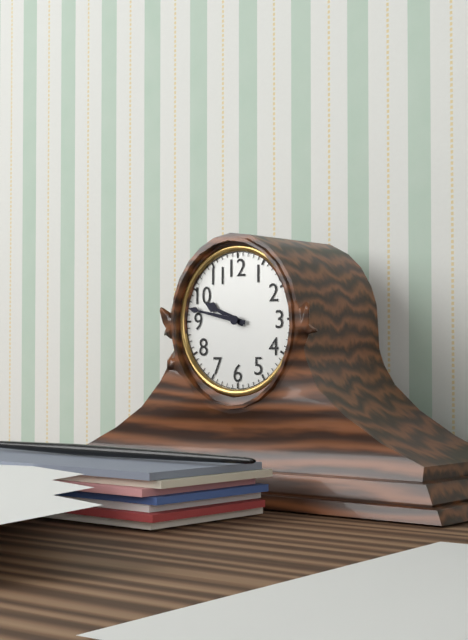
9:47
